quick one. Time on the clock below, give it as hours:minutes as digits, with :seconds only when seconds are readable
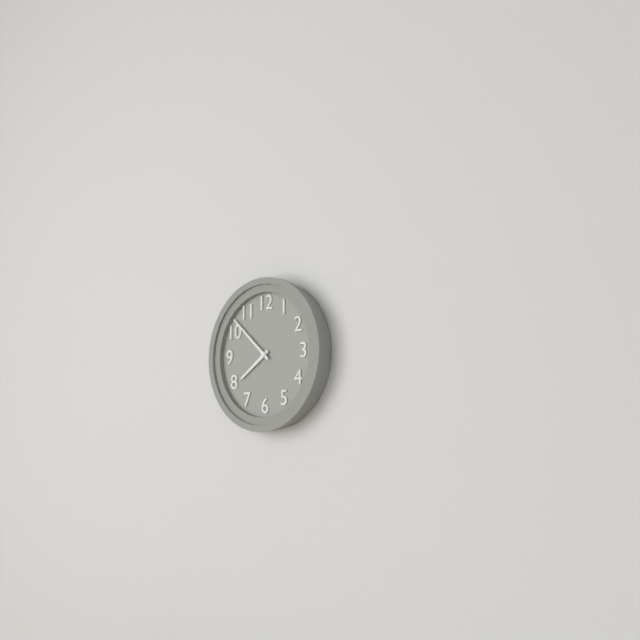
7:52
